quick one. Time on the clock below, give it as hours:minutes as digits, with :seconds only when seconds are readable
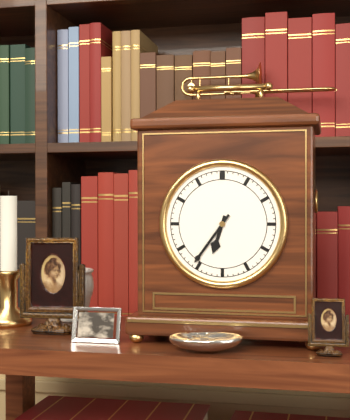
6:36
